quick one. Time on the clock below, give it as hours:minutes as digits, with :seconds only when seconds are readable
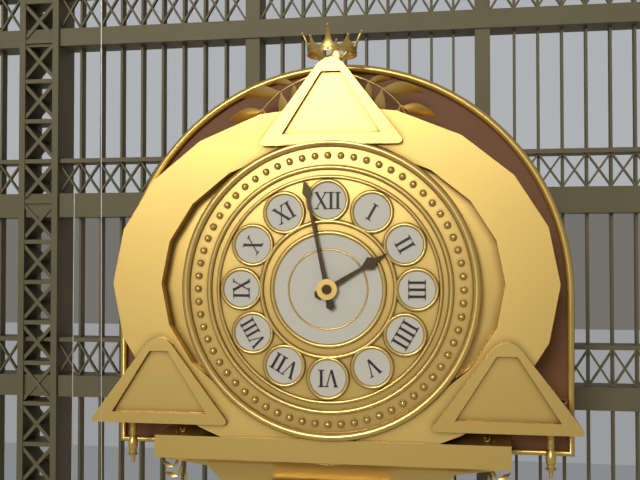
1:58
